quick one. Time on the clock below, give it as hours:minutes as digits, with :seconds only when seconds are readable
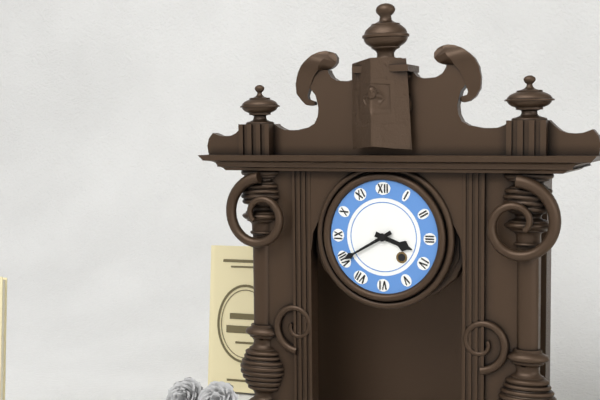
3:40
